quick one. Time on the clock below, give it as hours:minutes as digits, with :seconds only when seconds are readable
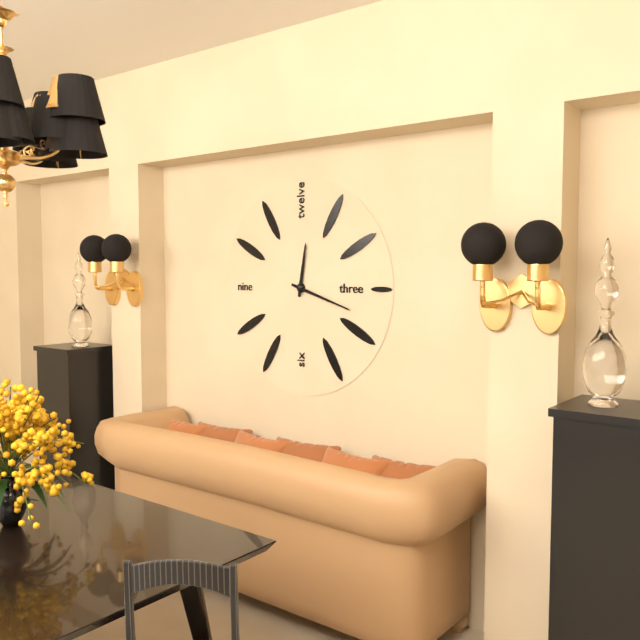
12:18
